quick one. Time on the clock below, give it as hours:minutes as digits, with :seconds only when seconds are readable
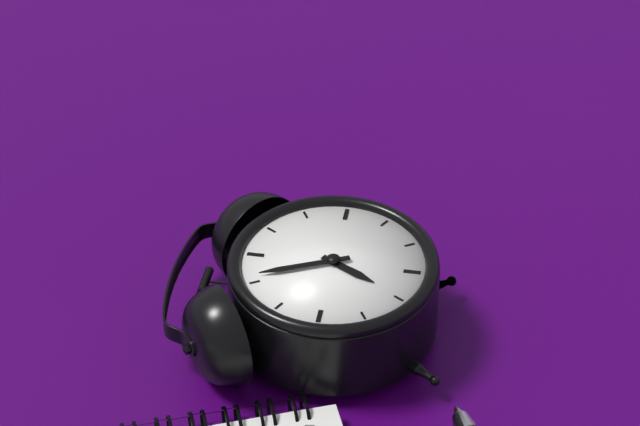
6:56
